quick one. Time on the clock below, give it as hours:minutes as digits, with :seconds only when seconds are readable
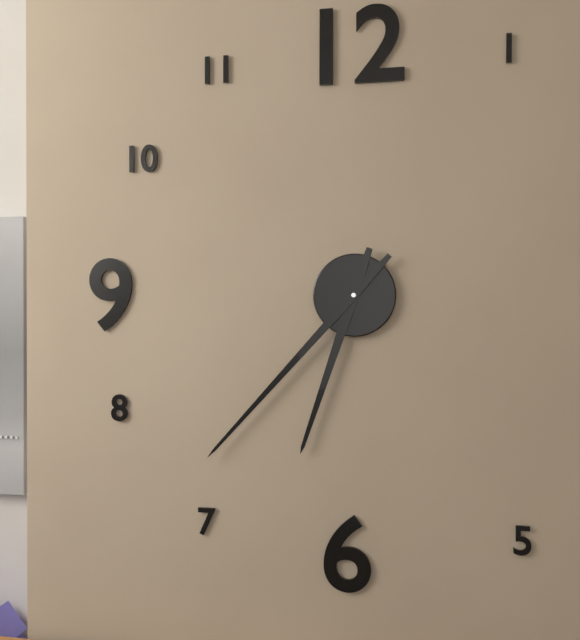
6:37
